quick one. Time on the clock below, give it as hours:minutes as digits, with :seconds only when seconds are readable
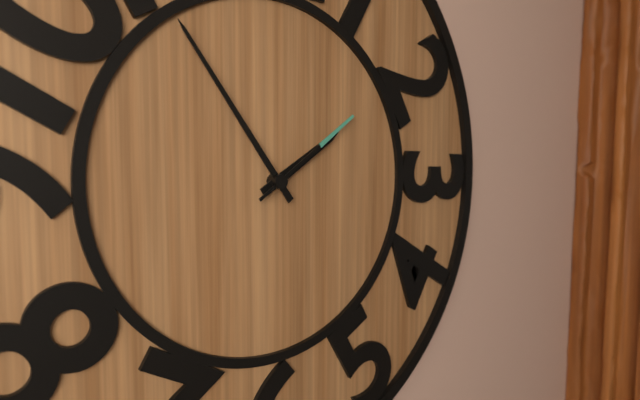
1:54:09
